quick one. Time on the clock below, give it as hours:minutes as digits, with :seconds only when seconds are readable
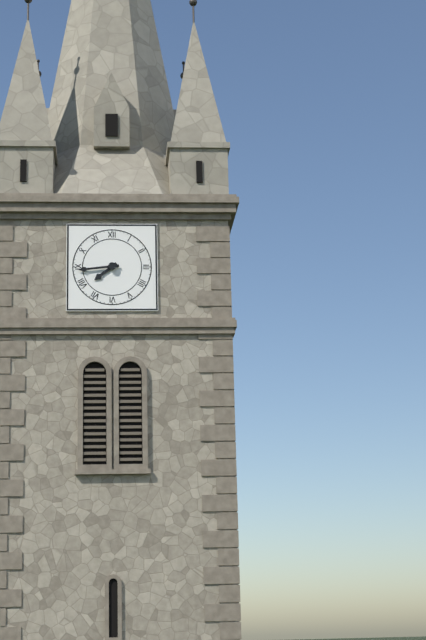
7:44
